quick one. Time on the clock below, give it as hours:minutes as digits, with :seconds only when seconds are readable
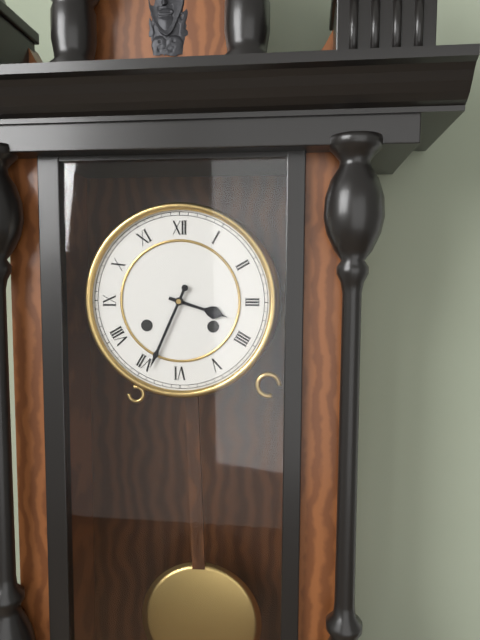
3:34
